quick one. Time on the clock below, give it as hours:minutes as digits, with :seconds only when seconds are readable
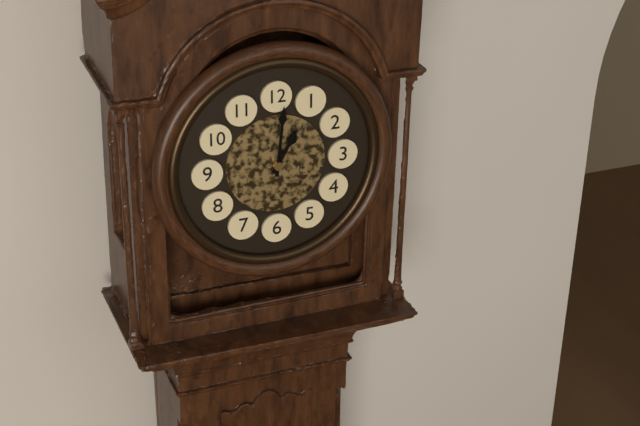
1:01
